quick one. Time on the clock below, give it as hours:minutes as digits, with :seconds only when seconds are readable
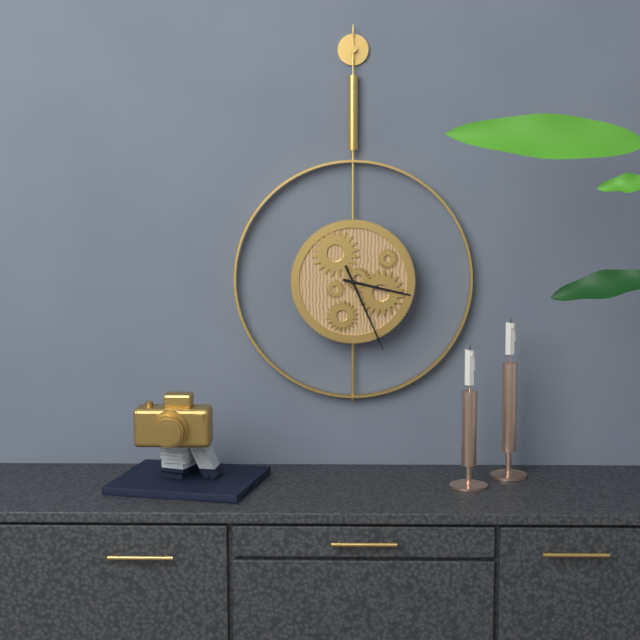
3:26
